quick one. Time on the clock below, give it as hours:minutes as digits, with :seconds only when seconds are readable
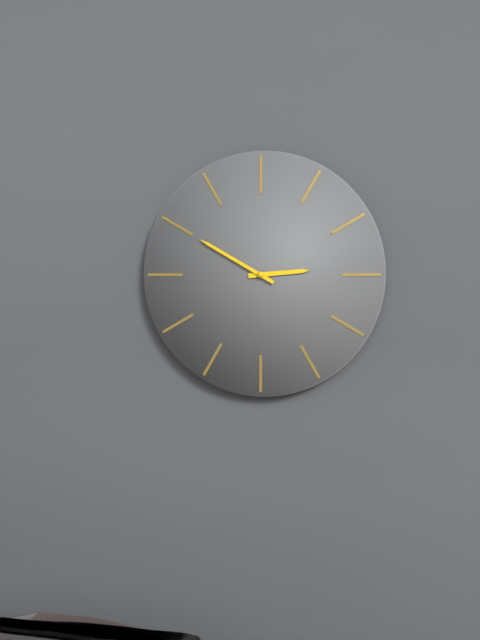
2:50
